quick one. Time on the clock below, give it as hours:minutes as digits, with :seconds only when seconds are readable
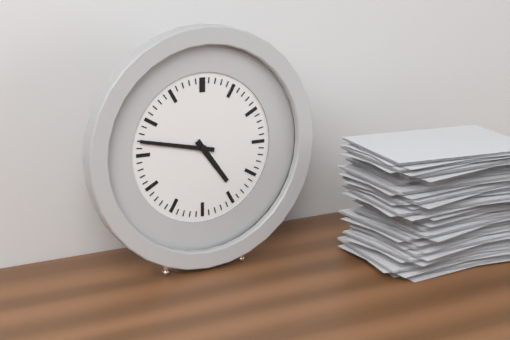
4:47
